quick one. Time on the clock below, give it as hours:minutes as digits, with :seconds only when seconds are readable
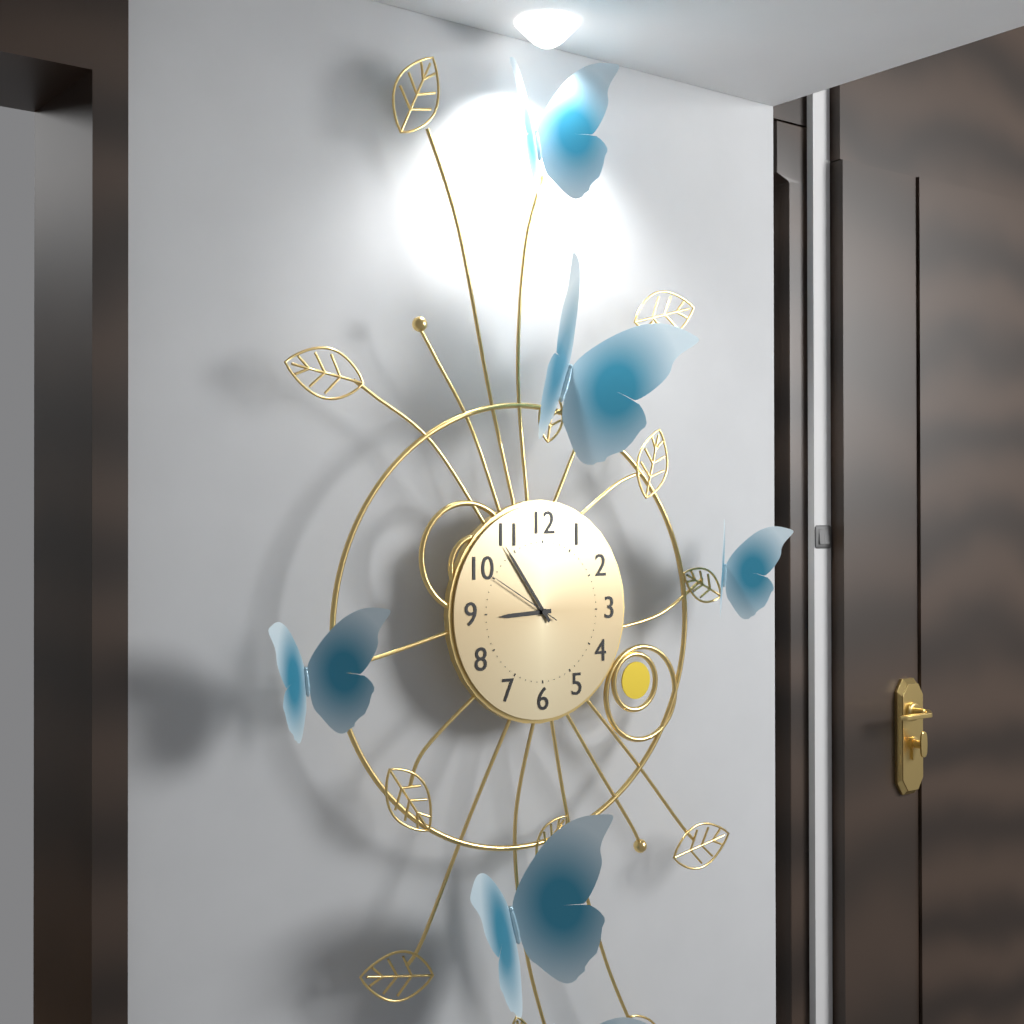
8:54:50
